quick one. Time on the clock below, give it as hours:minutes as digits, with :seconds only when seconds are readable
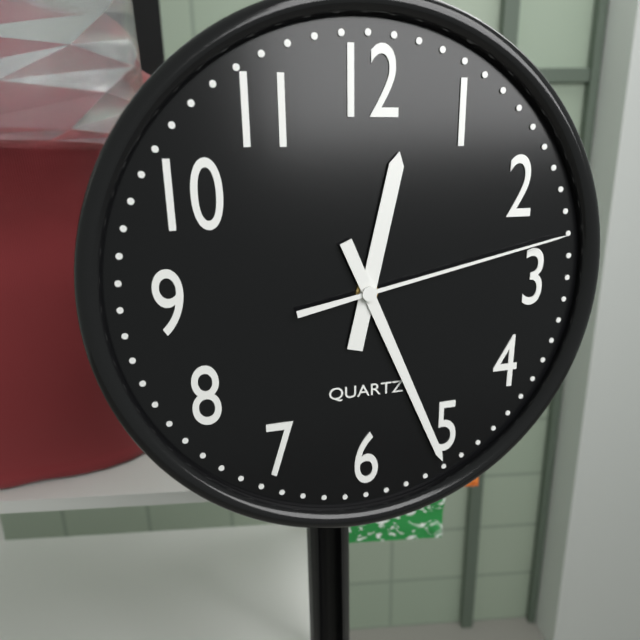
12:26:13
